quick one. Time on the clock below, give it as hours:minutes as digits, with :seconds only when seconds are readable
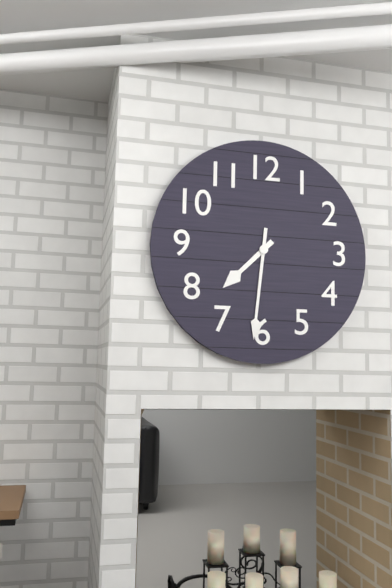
7:31
